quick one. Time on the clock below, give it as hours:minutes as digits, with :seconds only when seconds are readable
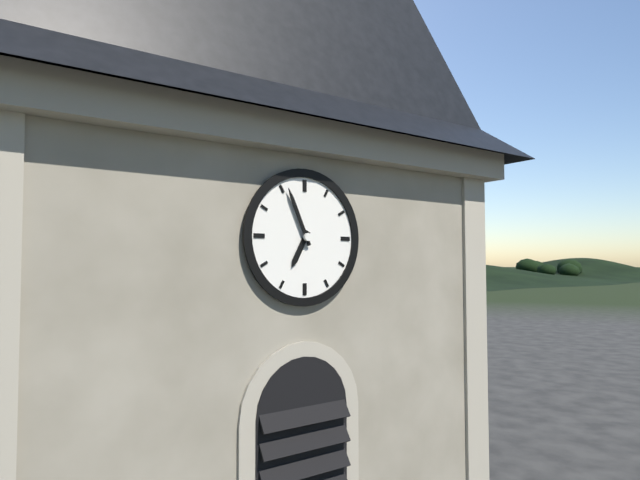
6:56
